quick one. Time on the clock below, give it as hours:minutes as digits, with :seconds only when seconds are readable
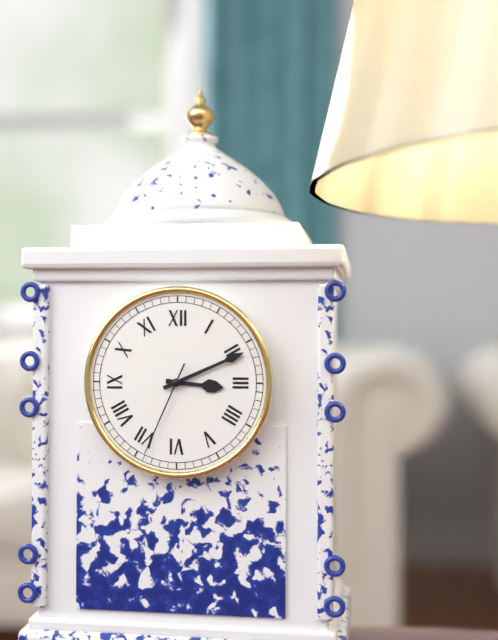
3:11:34
